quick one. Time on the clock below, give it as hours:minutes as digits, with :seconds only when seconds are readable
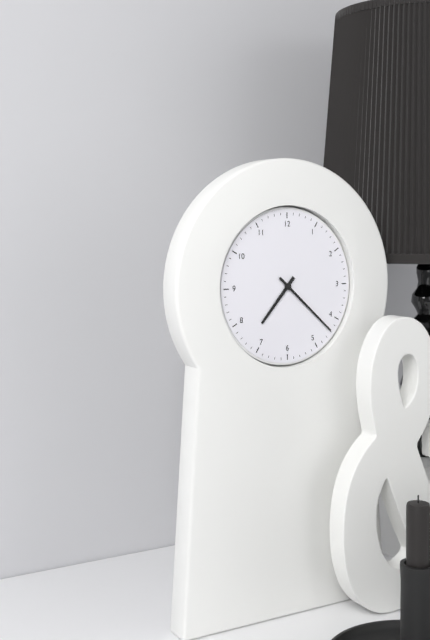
7:22
